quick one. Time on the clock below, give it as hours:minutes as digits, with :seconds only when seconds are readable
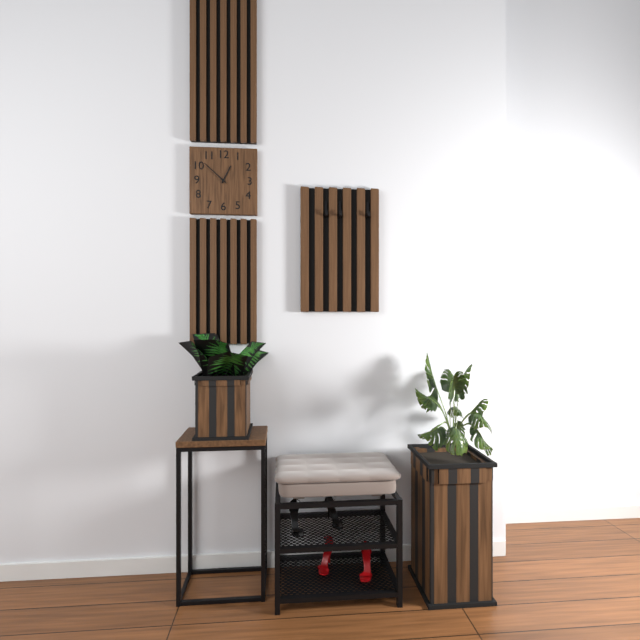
12:52
